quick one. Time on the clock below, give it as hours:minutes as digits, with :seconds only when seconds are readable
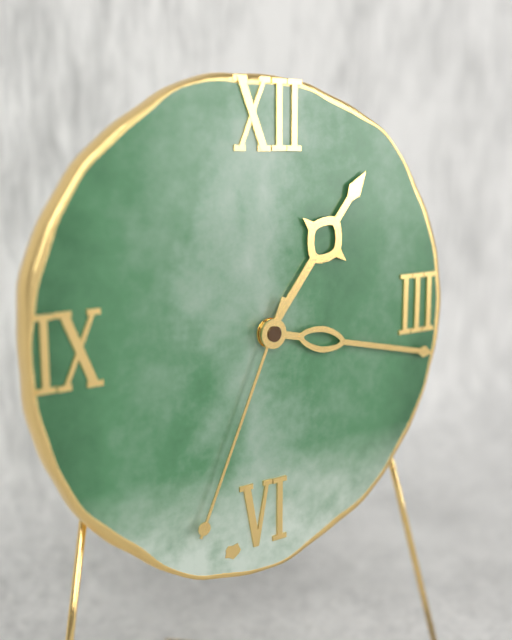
1:17:34
